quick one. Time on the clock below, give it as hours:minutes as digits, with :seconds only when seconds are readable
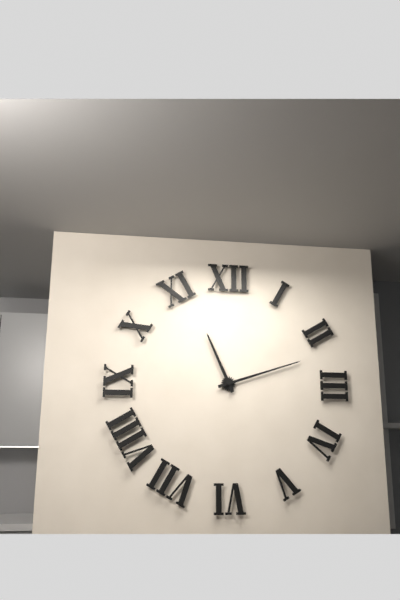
11:12
